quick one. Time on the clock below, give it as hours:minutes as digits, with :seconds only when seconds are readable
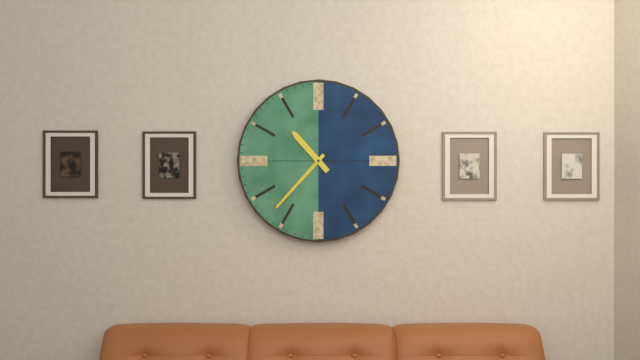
10:37
